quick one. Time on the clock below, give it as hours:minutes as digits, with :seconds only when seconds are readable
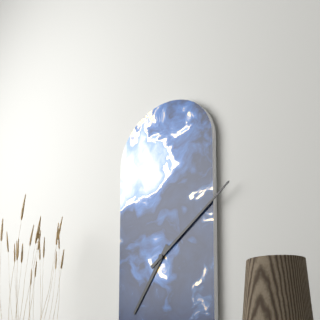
7:09
